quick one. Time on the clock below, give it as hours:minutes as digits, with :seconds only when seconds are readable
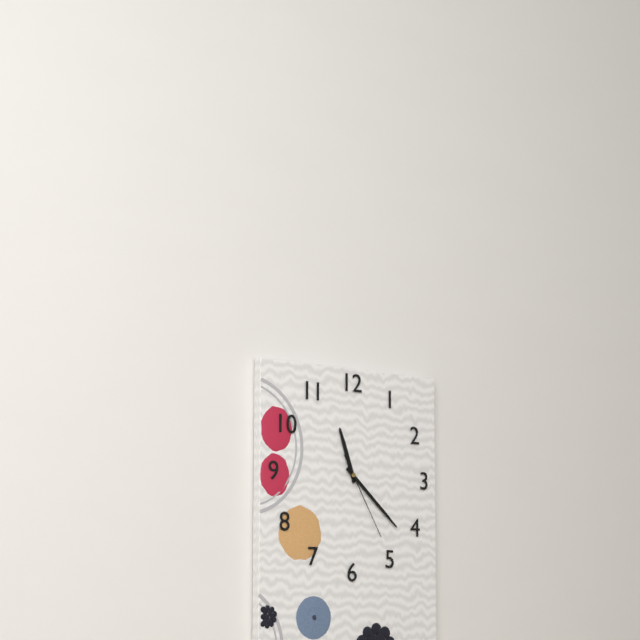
11:22:25
